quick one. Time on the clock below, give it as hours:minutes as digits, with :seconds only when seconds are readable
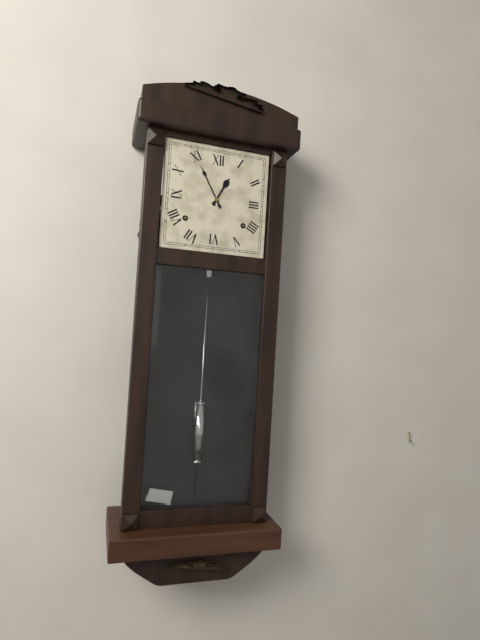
12:55
